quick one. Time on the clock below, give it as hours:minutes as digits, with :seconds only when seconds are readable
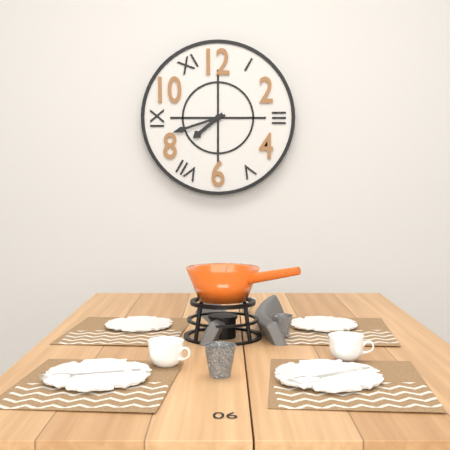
7:42
